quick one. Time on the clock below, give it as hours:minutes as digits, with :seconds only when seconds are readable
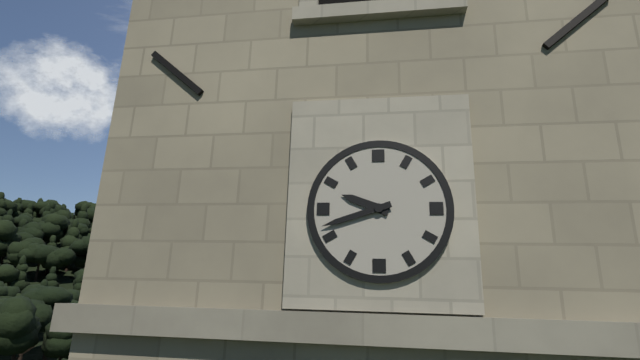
9:42
